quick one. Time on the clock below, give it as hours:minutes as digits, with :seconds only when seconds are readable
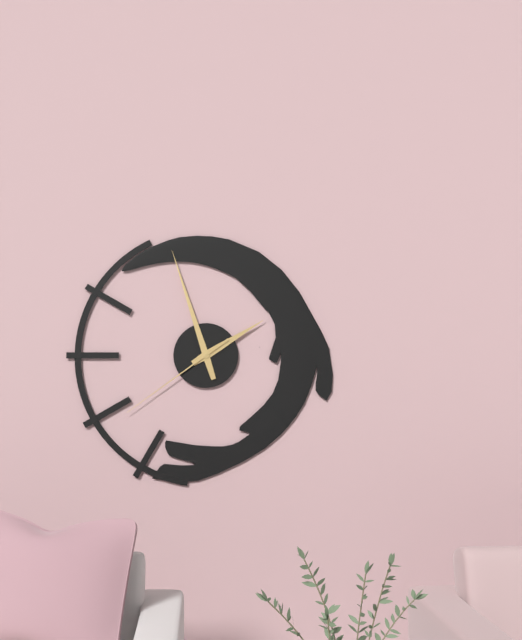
1:57:39
